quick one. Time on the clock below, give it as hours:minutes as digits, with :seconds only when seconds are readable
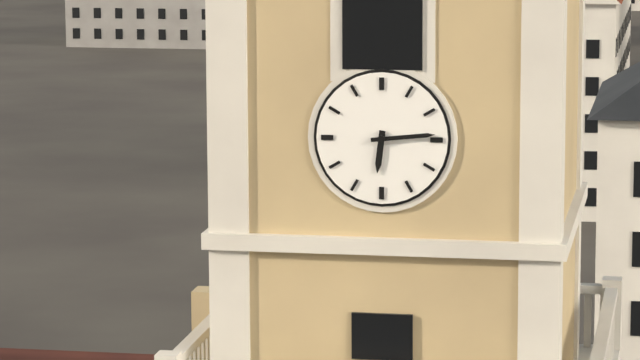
6:14
